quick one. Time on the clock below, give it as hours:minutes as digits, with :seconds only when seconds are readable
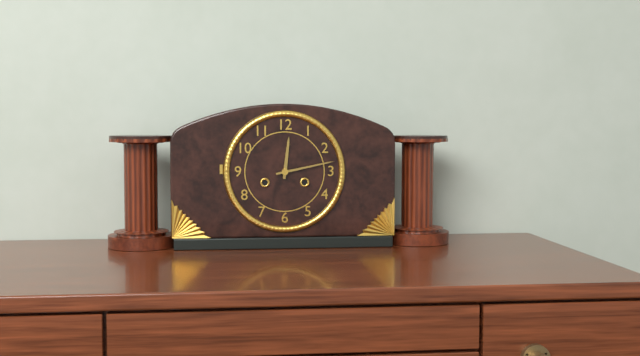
12:13
